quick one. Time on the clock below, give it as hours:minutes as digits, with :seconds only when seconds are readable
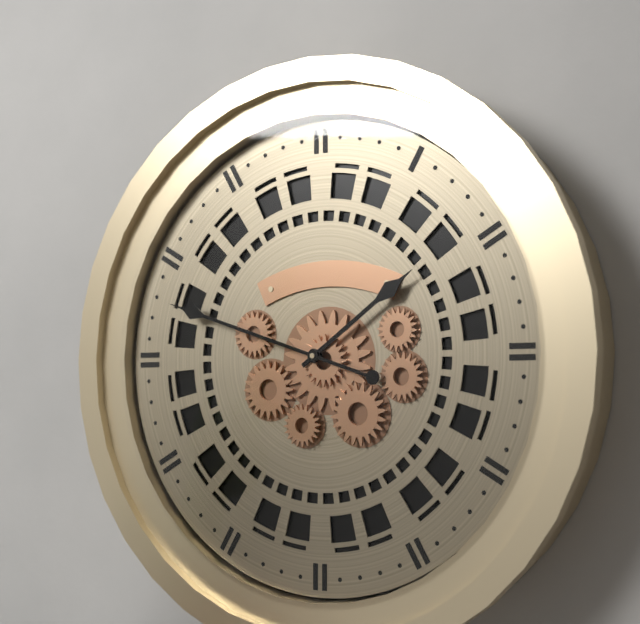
1:48
